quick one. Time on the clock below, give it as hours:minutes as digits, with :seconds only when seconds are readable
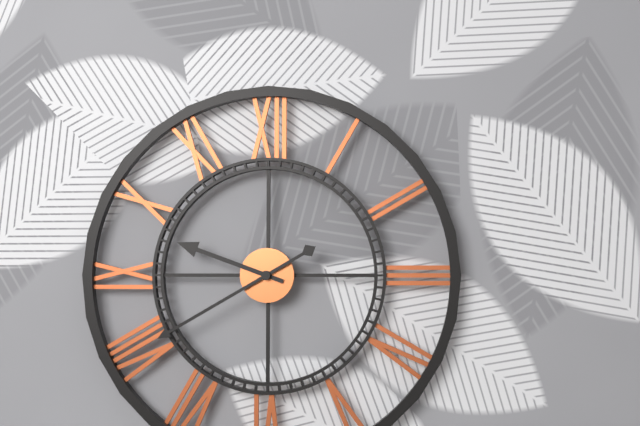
9:40
